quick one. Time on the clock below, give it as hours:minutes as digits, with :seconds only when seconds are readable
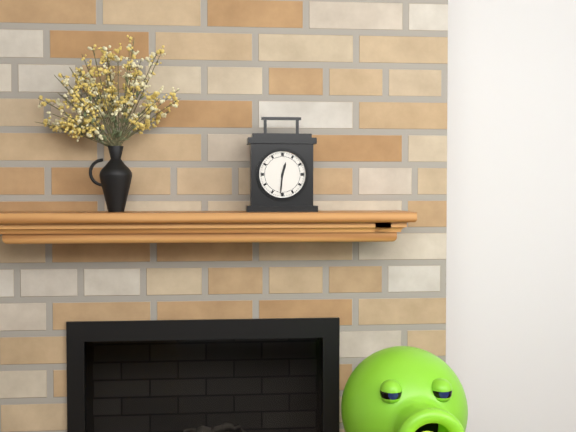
12:31
